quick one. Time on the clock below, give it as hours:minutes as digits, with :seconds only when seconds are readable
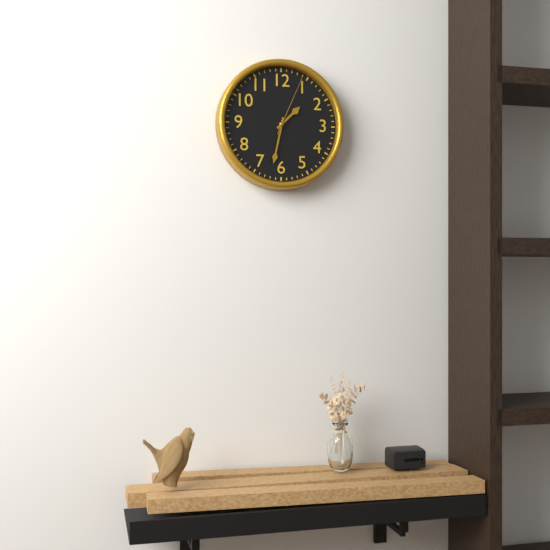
1:32:04
